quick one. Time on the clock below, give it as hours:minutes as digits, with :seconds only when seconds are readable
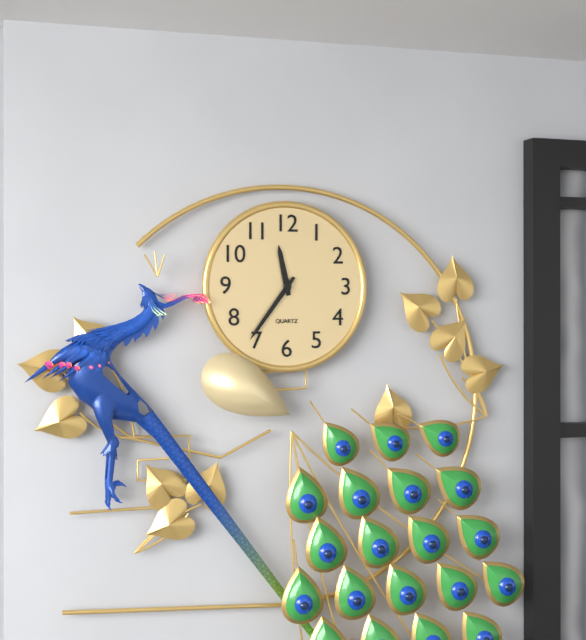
11:36
